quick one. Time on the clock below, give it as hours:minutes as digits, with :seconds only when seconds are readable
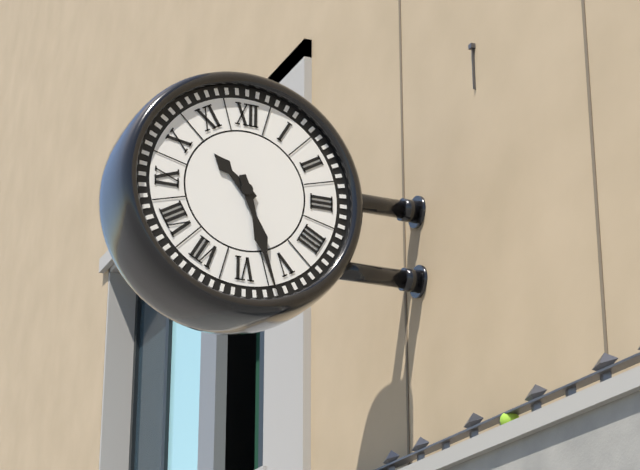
10:27
